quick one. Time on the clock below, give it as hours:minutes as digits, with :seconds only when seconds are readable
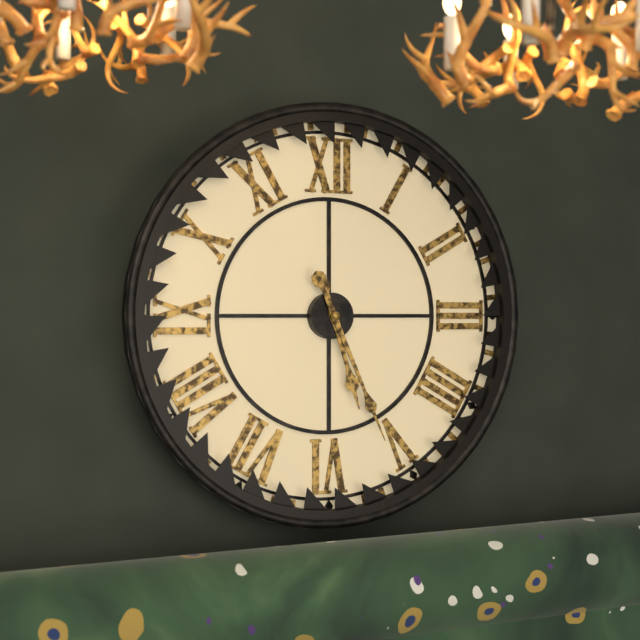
5:26
